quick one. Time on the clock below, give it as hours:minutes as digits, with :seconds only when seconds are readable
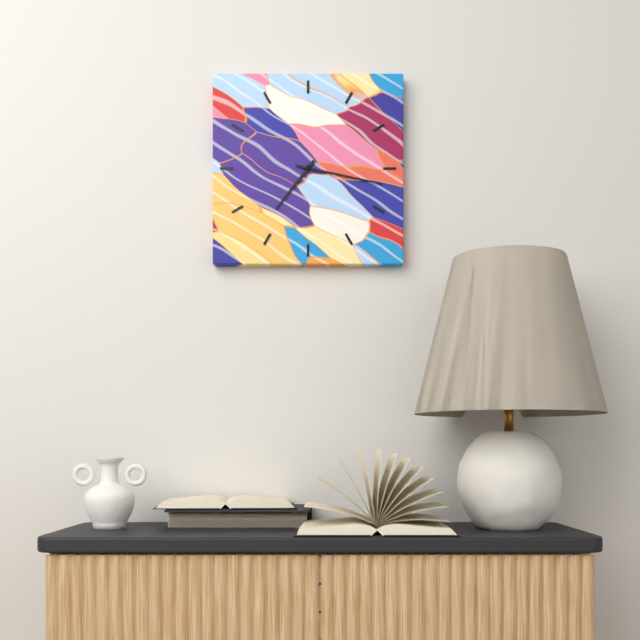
7:17
